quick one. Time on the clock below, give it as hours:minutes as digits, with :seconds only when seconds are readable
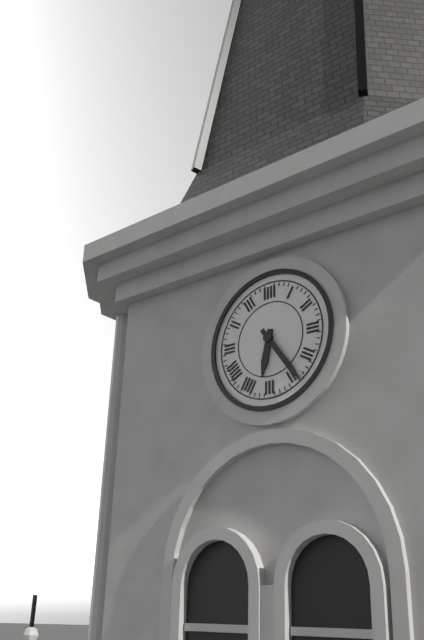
6:24
